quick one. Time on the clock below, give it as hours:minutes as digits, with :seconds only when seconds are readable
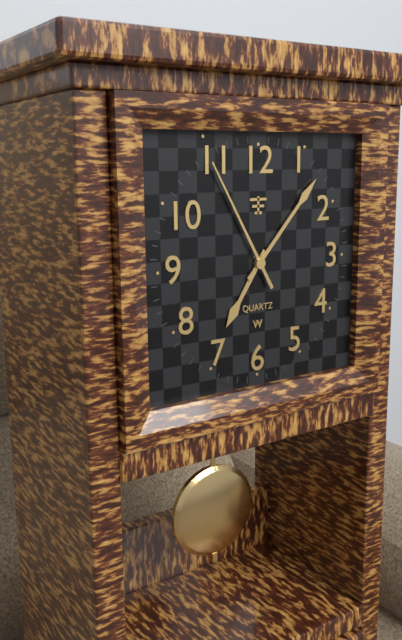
7:07:55
